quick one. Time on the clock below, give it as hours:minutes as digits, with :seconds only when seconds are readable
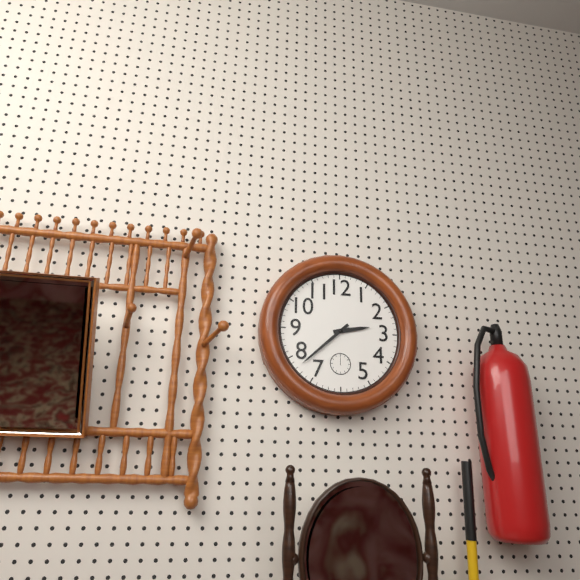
2:38
